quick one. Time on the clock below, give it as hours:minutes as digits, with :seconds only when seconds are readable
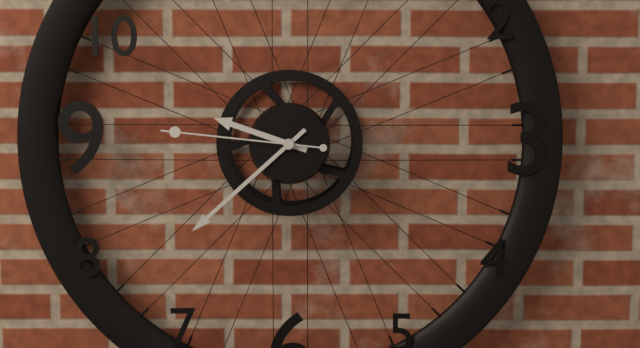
9:38:46
